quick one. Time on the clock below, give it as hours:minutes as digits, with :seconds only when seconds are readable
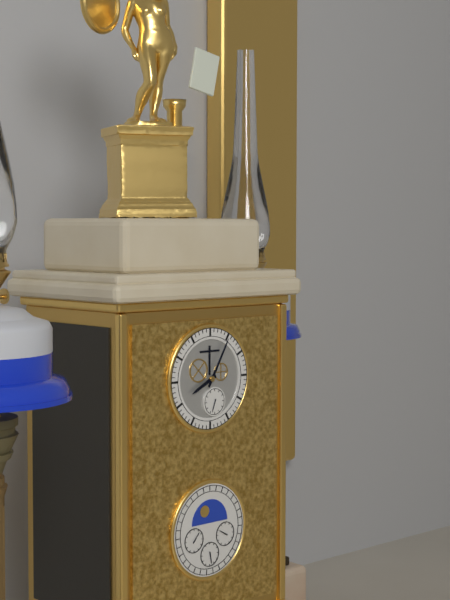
8:05
